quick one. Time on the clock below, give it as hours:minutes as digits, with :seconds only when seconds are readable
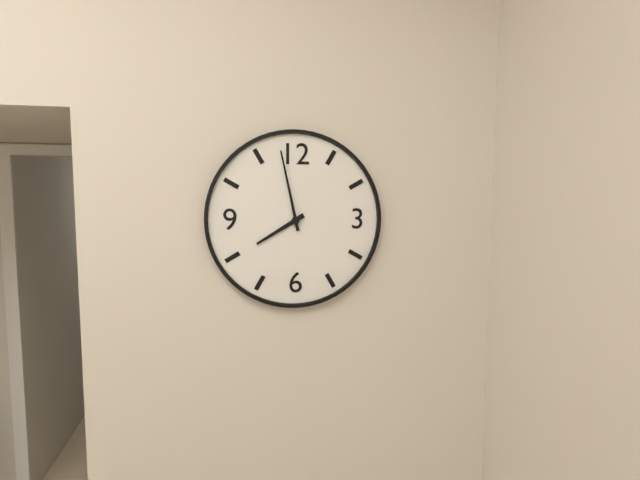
7:58
